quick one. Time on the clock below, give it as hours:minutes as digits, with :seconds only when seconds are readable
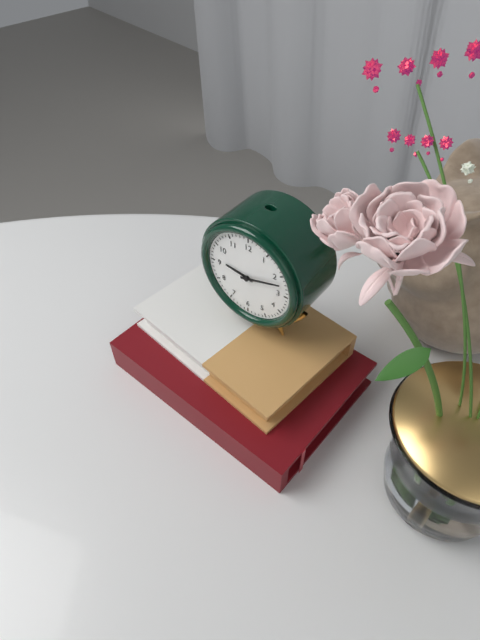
9:12
